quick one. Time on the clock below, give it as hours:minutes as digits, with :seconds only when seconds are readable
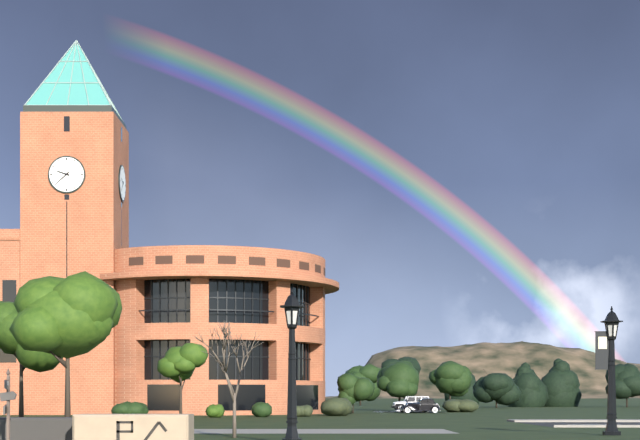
9:38
